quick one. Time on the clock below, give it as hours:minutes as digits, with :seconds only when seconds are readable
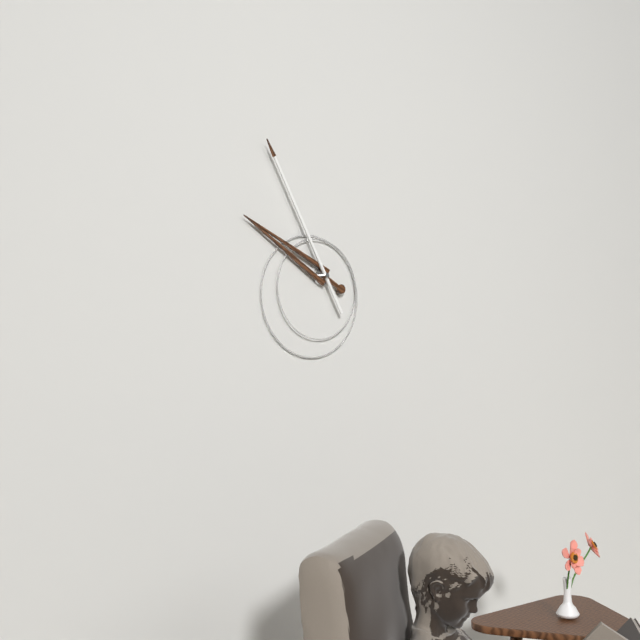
9:55
